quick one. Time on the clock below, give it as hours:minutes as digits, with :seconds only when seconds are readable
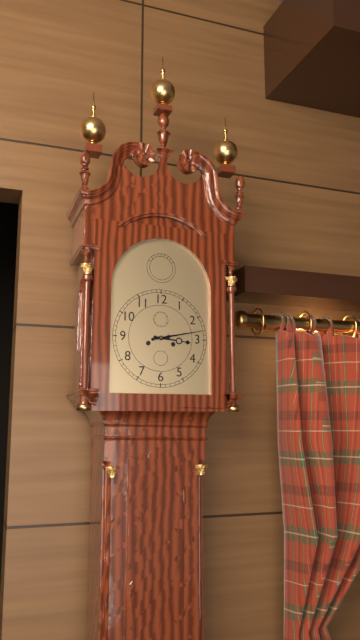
3:13
